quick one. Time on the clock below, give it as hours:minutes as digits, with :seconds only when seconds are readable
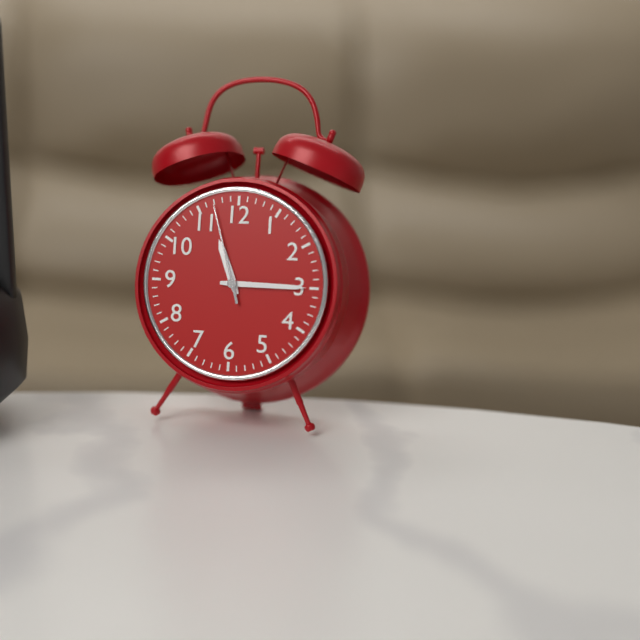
11:15:57
